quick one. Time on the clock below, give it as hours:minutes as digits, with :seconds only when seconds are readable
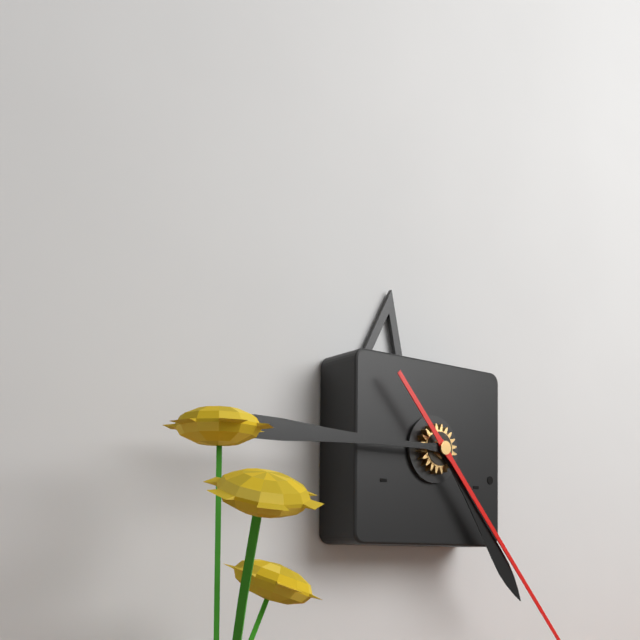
4:45
